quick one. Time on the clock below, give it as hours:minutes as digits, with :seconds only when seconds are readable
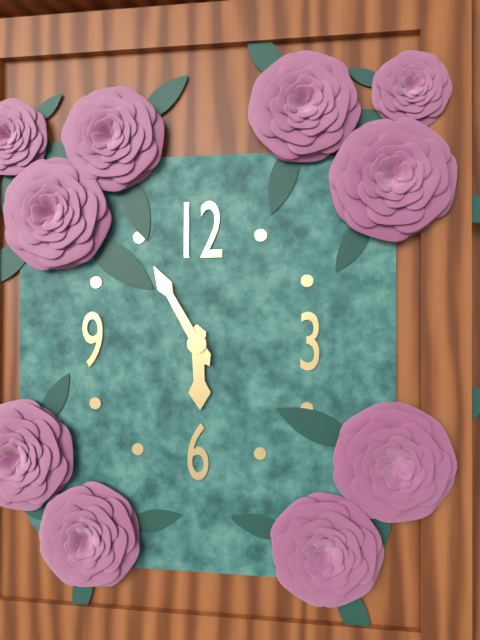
5:55
